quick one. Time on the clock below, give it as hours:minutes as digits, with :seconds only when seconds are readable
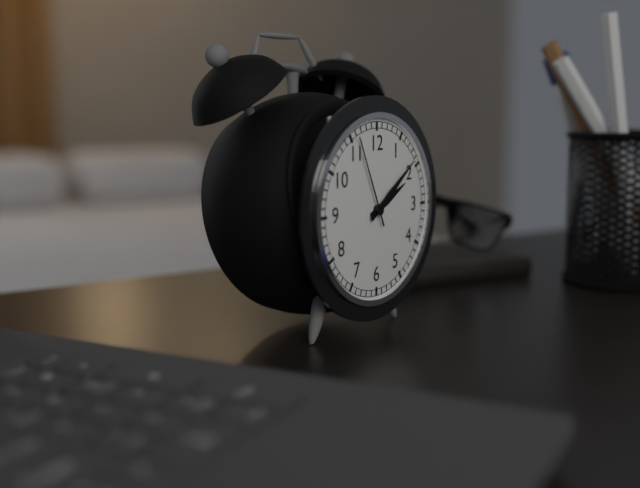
2:09:56
